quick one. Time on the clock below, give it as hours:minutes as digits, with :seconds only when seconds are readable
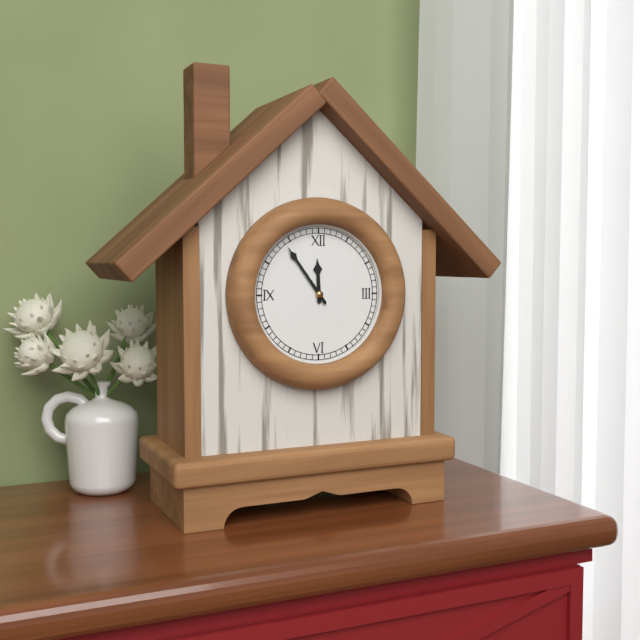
11:54
